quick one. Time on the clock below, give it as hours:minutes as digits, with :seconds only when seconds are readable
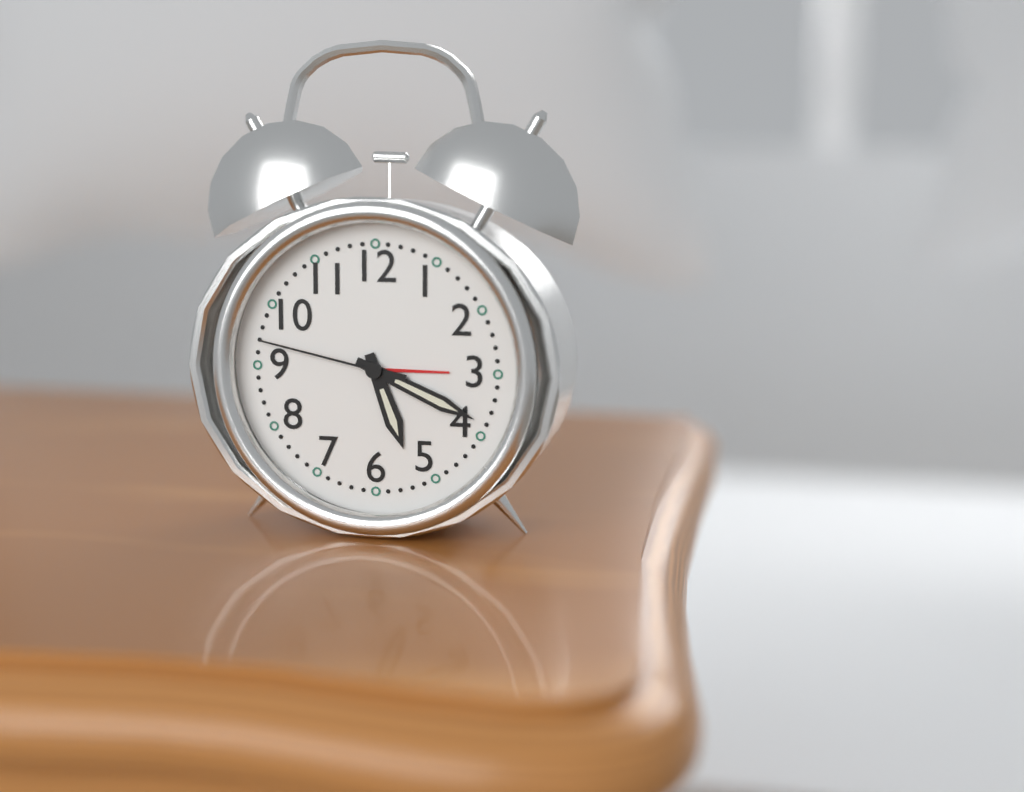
5:19:47
